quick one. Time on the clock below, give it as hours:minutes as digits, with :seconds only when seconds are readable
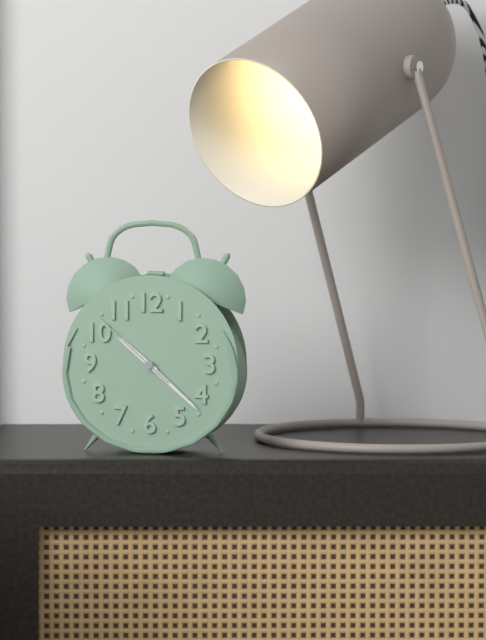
10:22:52
